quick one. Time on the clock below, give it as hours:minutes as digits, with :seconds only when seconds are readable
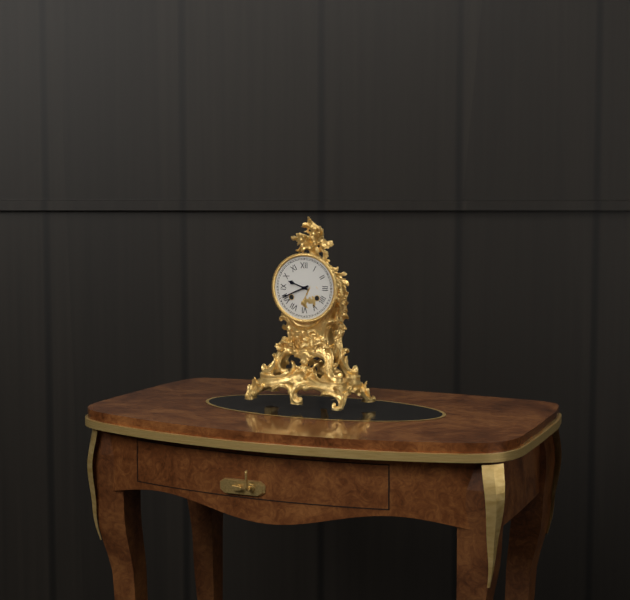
9:41
